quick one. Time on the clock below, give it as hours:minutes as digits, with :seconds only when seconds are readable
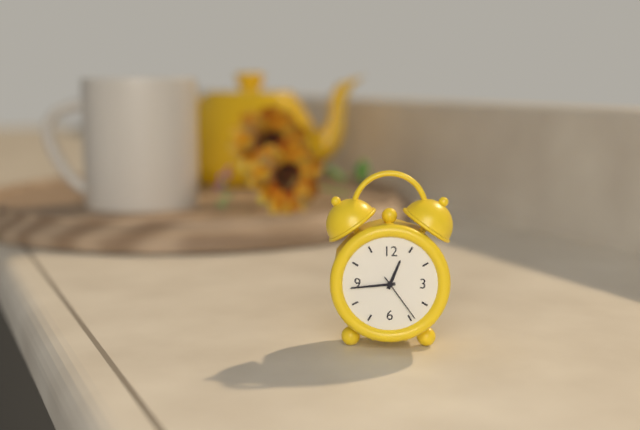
12:44:24
